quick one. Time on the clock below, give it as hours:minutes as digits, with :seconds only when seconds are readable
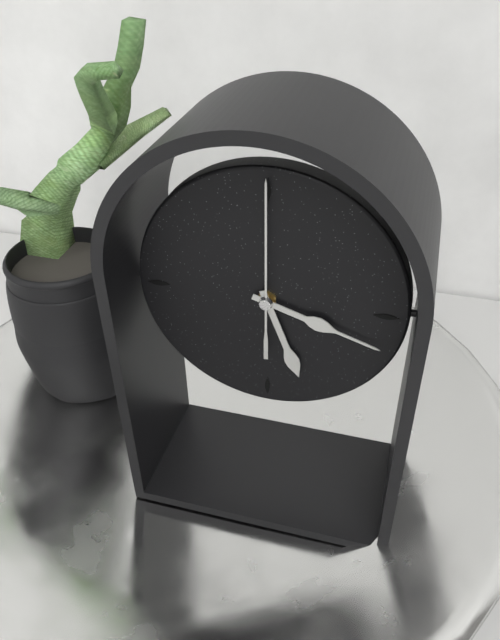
5:18:00
